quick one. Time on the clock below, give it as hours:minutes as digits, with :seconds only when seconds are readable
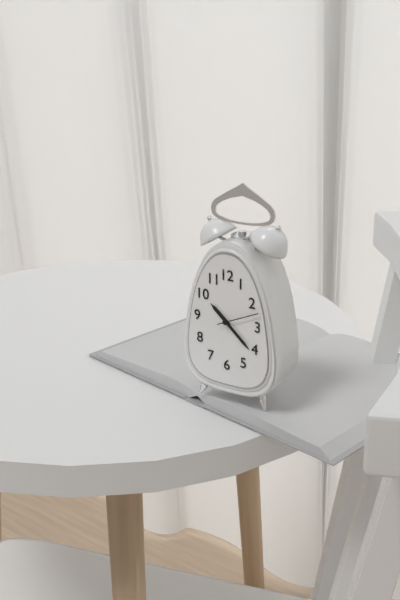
10:22
